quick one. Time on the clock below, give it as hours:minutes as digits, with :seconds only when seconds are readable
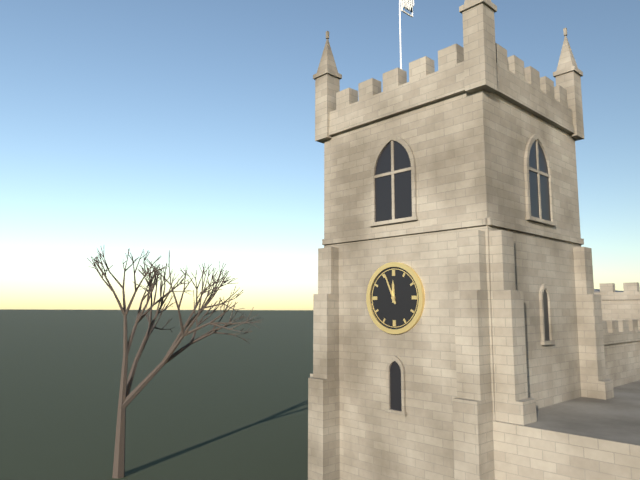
11:56
